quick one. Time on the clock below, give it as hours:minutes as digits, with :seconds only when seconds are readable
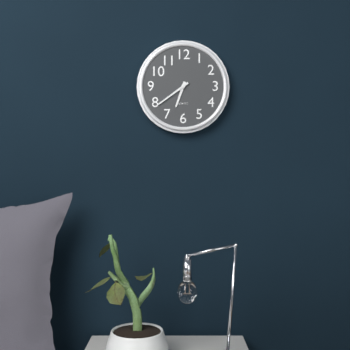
6:39
